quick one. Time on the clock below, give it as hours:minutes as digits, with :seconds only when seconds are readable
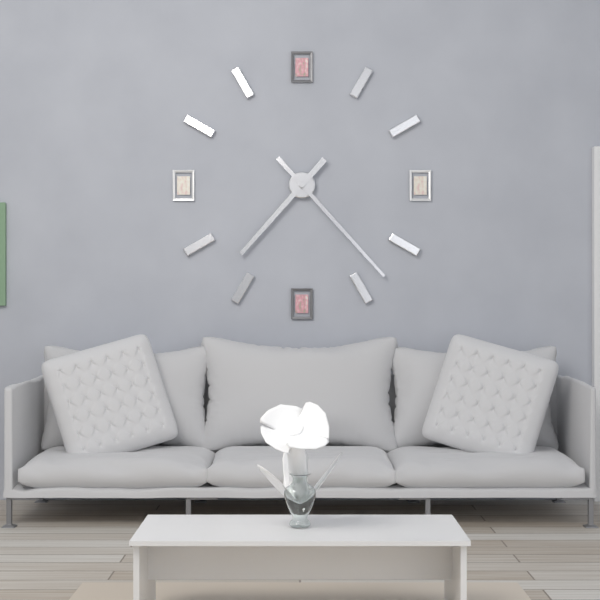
7:23
